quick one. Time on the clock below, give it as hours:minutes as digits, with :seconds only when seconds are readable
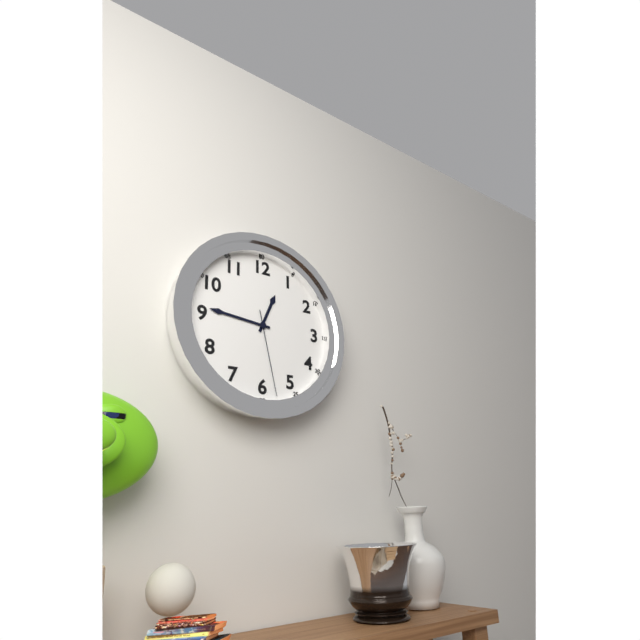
12:46:28
